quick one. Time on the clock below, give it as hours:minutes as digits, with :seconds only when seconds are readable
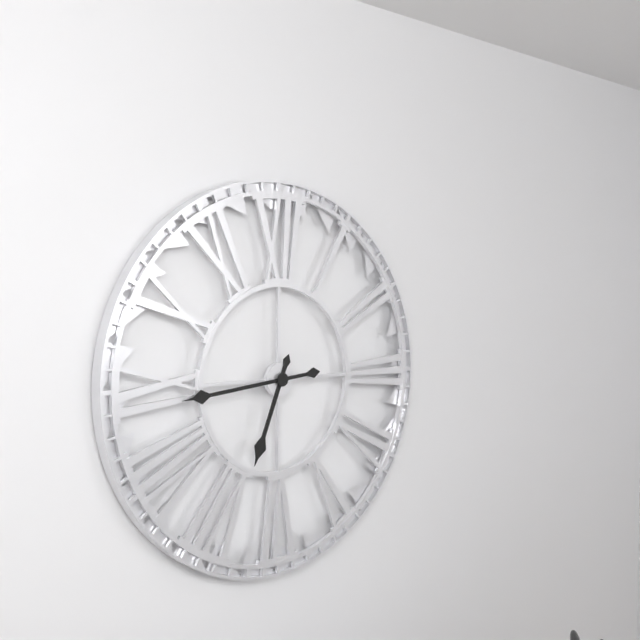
6:44
